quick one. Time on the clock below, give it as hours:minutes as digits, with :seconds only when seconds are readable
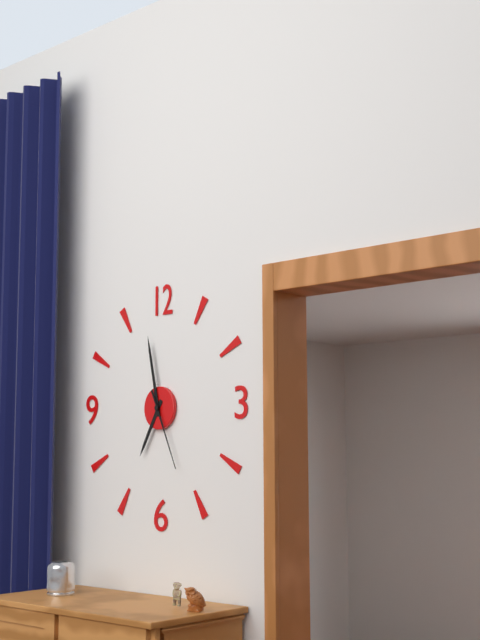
6:58:26
